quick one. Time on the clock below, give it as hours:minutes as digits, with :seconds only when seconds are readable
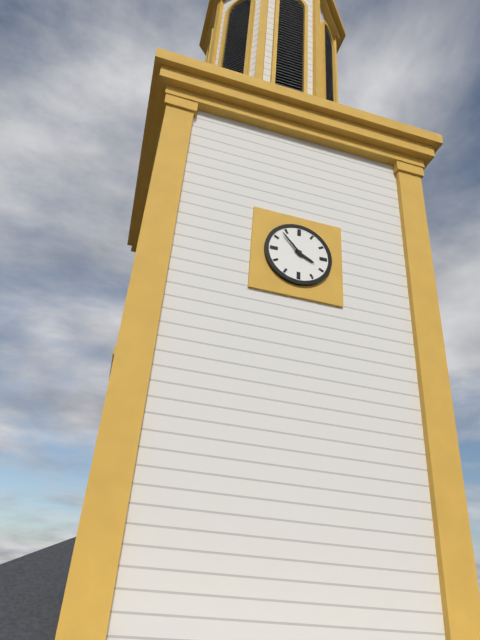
3:53
